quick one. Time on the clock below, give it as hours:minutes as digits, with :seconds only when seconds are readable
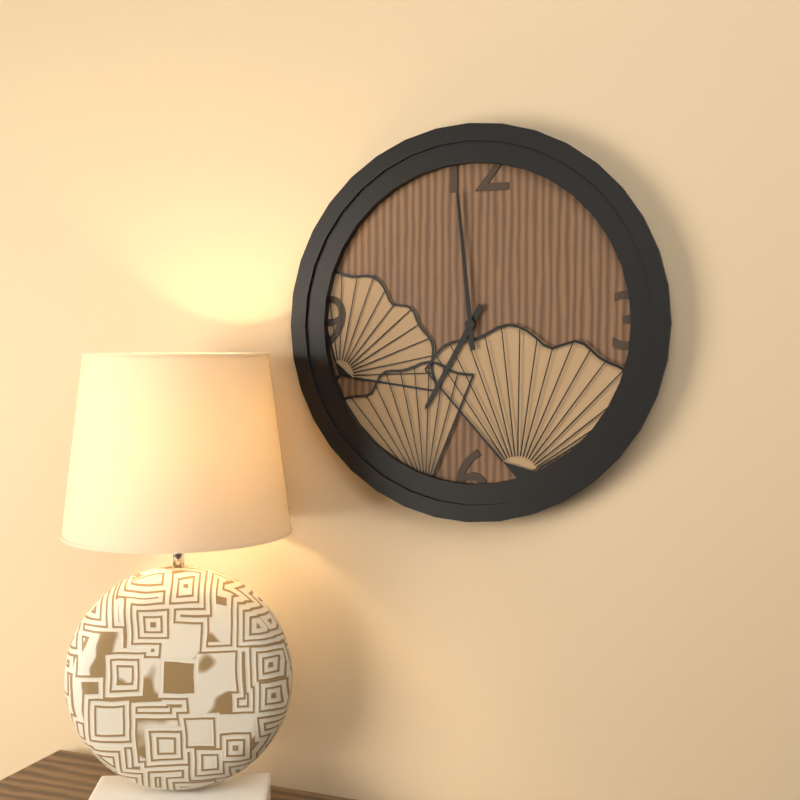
6:59
